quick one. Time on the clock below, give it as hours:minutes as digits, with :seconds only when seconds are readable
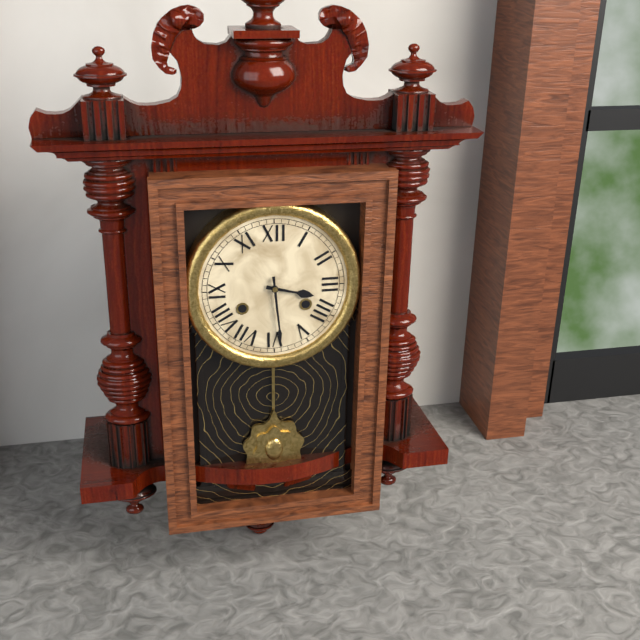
3:29
